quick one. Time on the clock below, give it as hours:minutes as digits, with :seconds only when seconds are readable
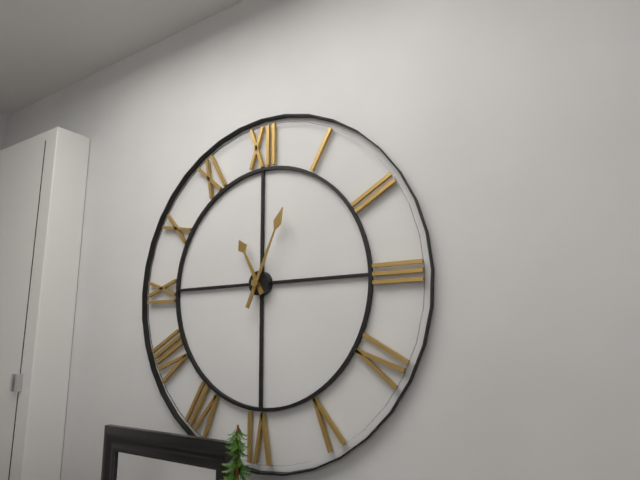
11:04
